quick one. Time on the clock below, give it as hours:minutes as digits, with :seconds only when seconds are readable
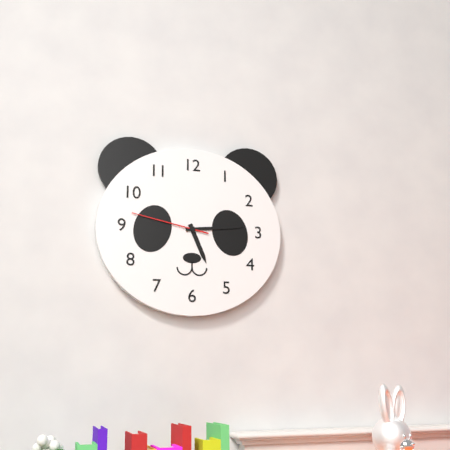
5:14:47
